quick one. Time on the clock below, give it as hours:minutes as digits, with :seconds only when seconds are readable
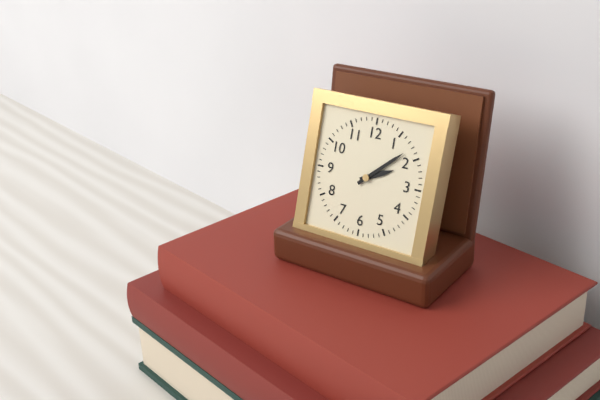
2:08
